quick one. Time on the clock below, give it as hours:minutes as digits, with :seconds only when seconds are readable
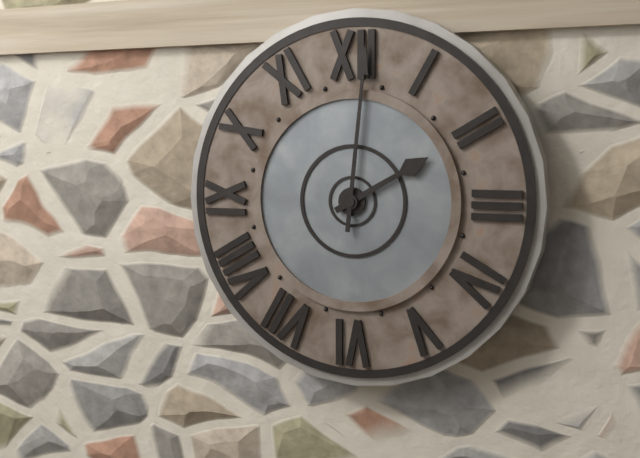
2:01
